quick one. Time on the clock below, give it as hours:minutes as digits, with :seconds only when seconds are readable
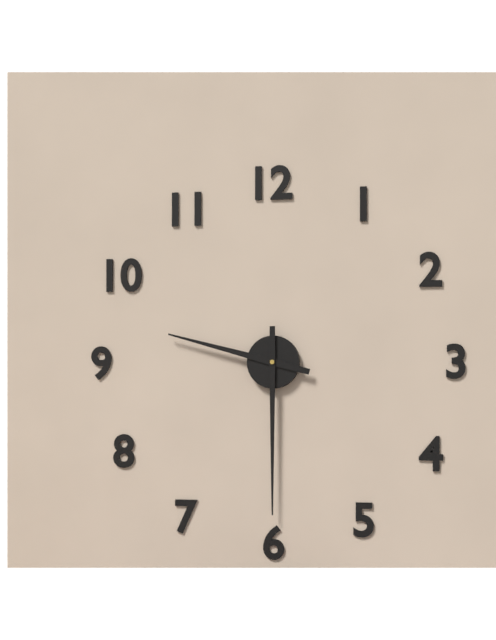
9:30
